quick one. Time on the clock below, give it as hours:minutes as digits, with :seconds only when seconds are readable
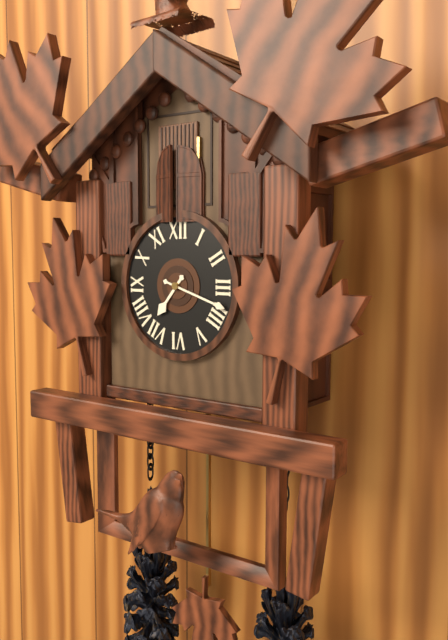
7:18
